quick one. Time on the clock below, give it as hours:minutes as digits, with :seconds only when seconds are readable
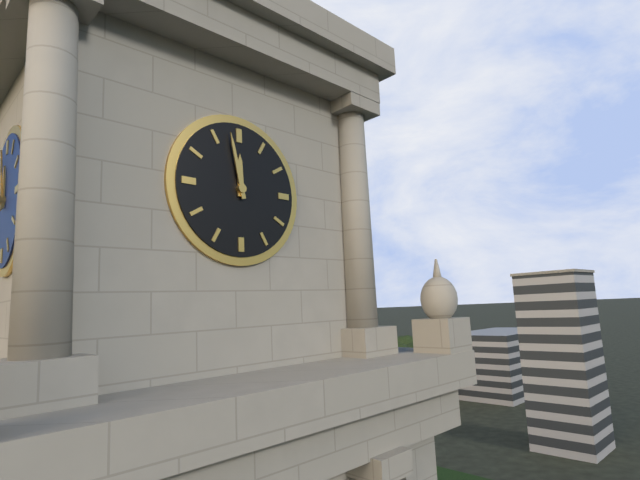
11:58
